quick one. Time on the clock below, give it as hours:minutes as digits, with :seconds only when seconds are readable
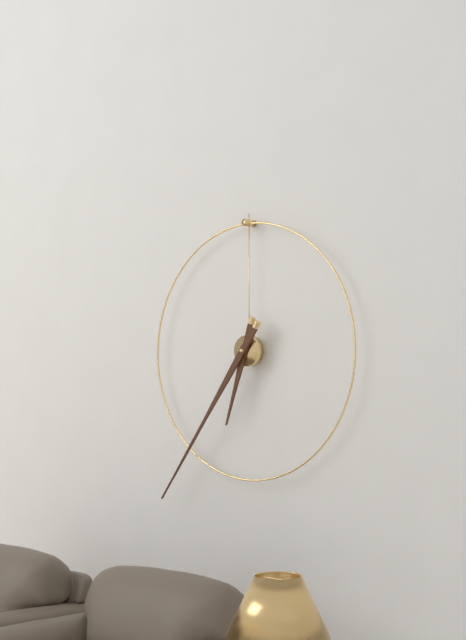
6:36
